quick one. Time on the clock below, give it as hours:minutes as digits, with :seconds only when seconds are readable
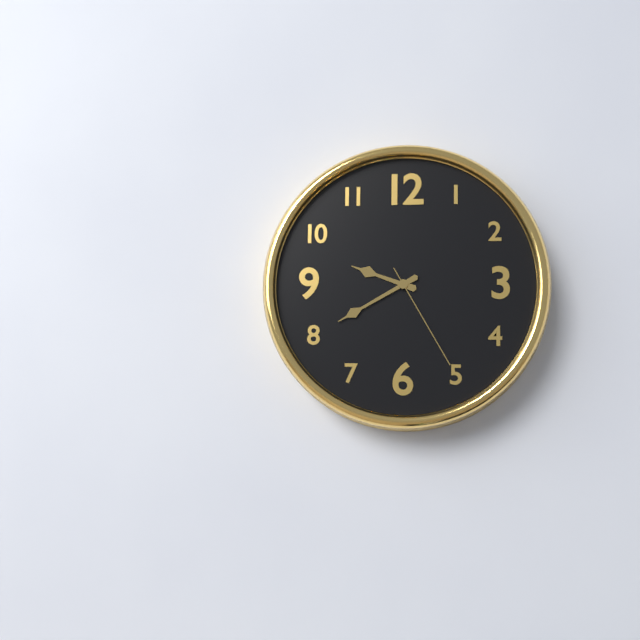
9:40:25
